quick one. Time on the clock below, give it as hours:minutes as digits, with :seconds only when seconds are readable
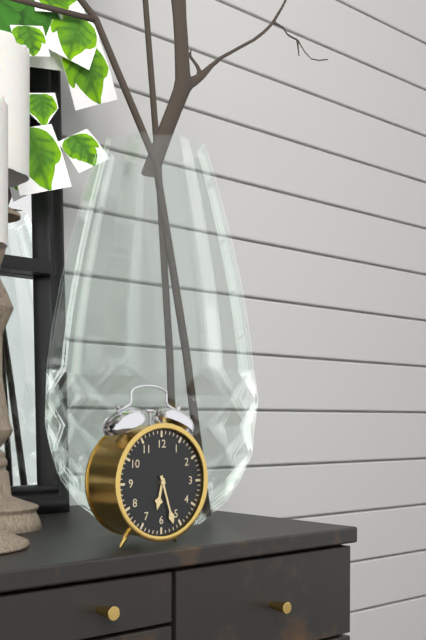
6:27
